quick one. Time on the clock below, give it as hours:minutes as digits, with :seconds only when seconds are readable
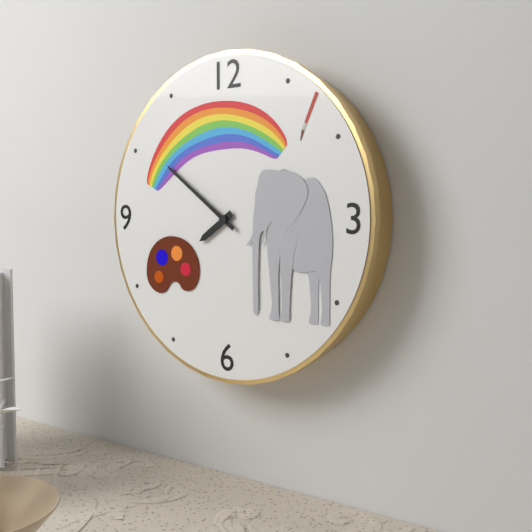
7:51
